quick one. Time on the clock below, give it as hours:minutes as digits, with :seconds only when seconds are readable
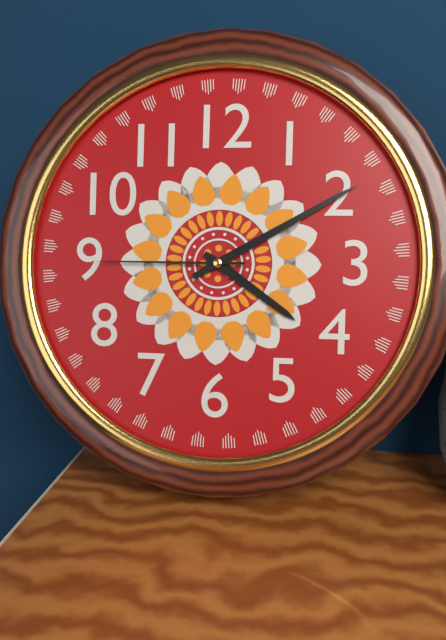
4:10:45
